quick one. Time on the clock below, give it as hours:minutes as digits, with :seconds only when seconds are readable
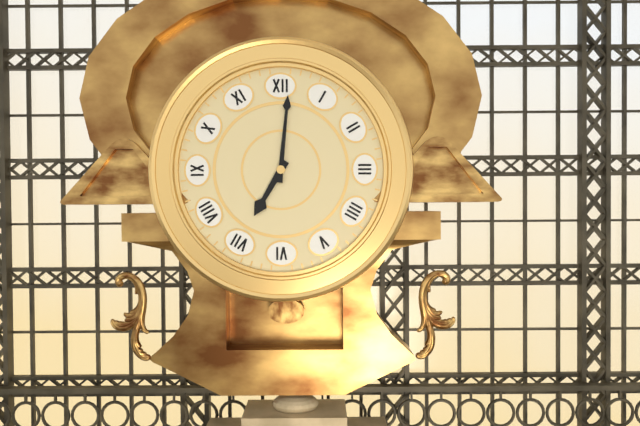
7:01
